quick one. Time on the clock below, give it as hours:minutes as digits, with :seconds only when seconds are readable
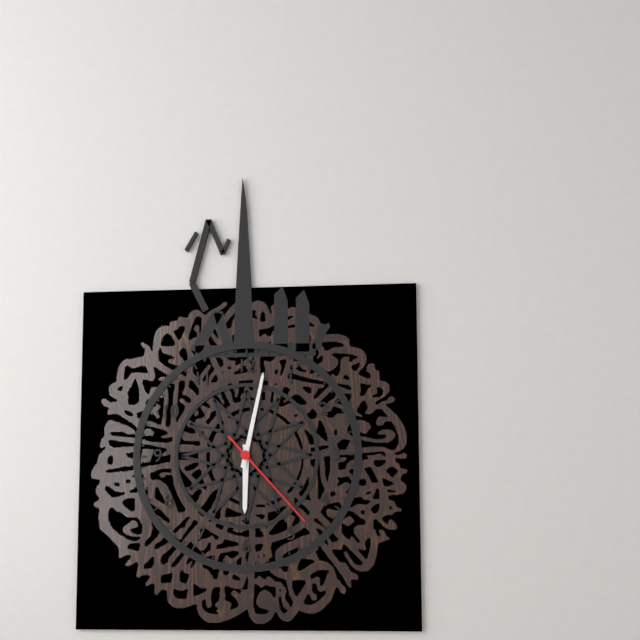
6:02:23
